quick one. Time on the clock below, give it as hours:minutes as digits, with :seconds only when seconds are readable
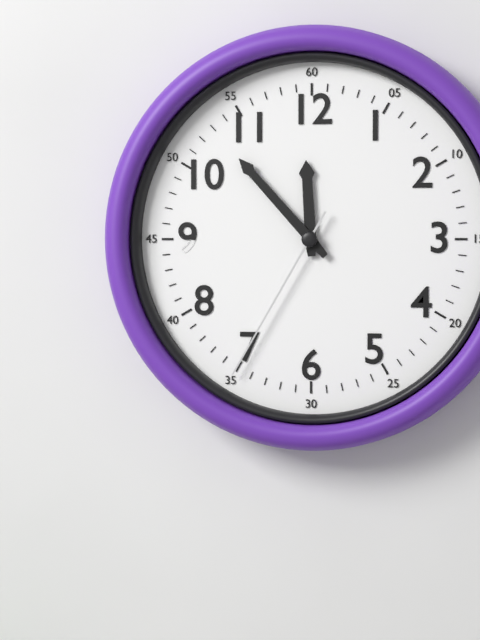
11:53:35
